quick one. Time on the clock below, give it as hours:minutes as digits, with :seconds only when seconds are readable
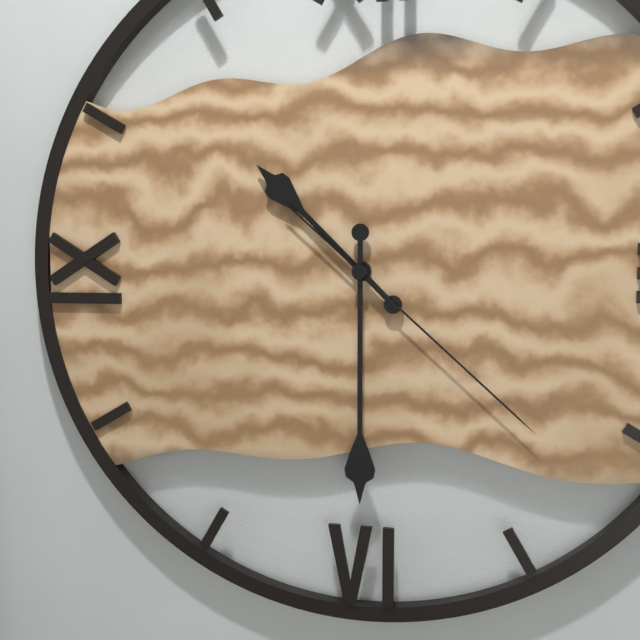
10:30:22
